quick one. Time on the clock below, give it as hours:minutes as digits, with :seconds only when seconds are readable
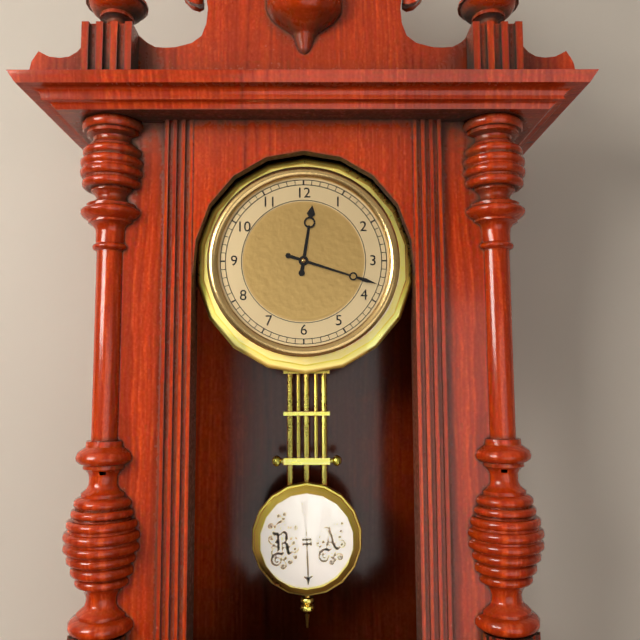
12:18
